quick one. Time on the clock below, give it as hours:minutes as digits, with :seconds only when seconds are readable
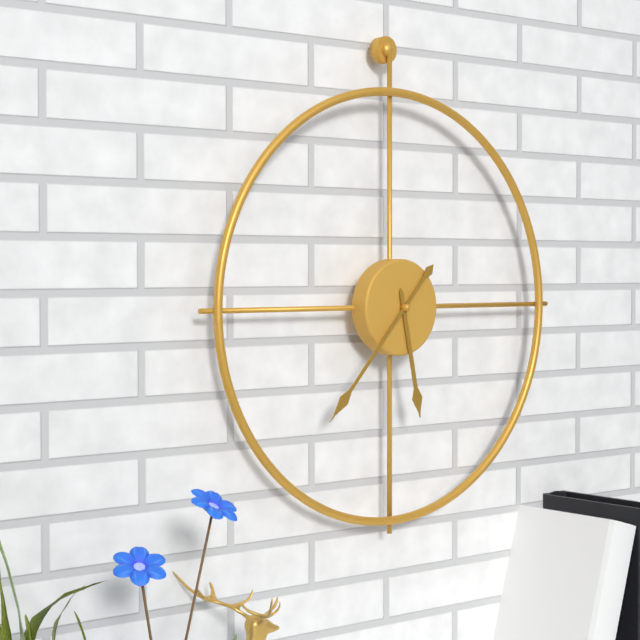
5:37
